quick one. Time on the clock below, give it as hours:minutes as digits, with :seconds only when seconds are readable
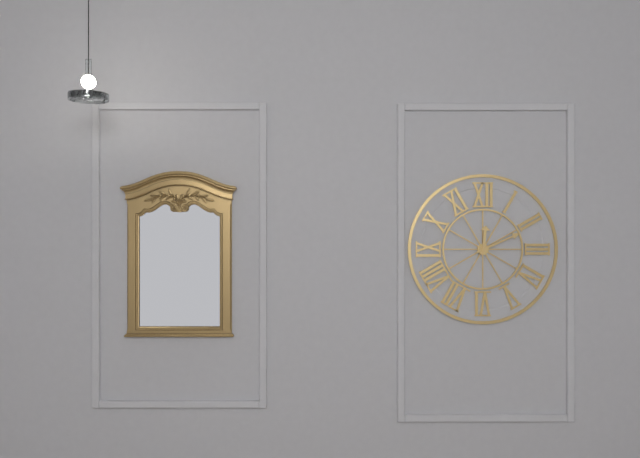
12:11
